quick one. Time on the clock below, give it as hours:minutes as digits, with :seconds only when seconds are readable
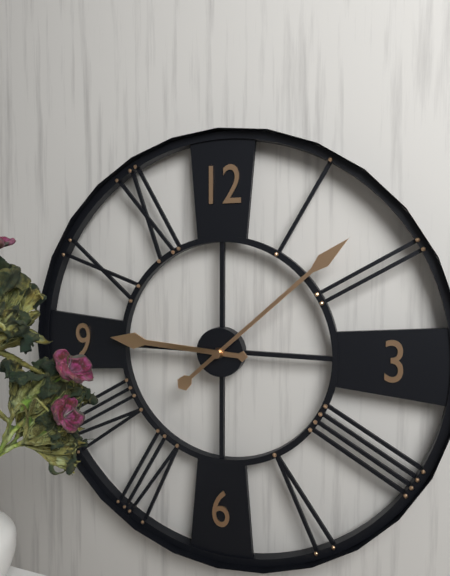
9:08
